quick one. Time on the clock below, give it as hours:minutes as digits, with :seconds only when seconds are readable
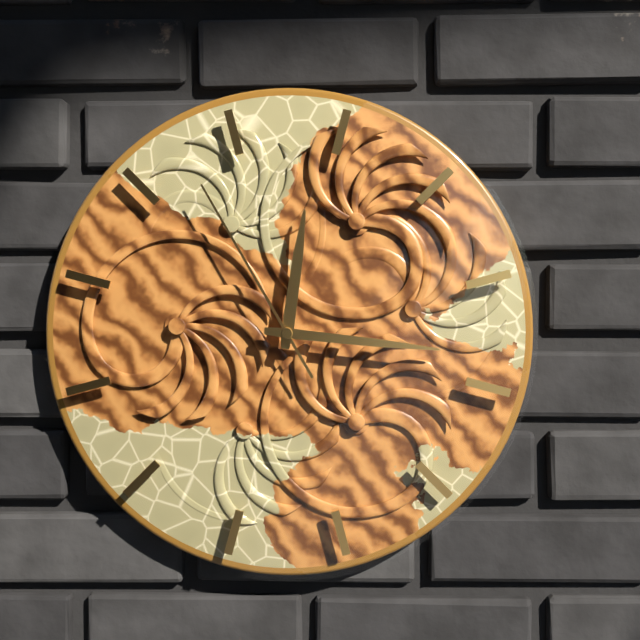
12:16:55
